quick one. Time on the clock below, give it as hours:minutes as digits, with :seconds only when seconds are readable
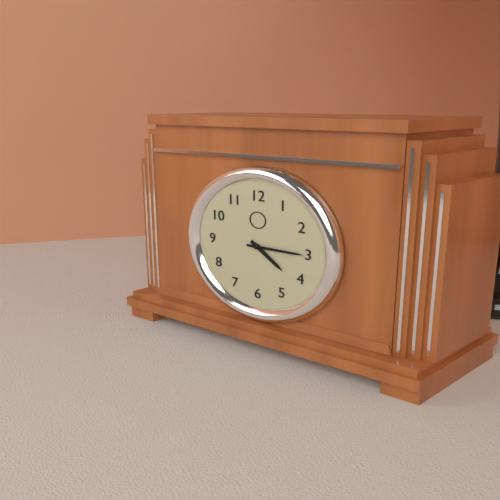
4:15
